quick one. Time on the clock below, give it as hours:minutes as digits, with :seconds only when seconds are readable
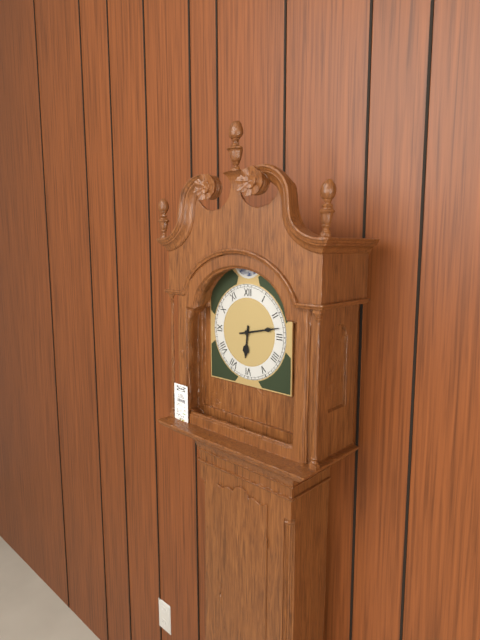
6:13
